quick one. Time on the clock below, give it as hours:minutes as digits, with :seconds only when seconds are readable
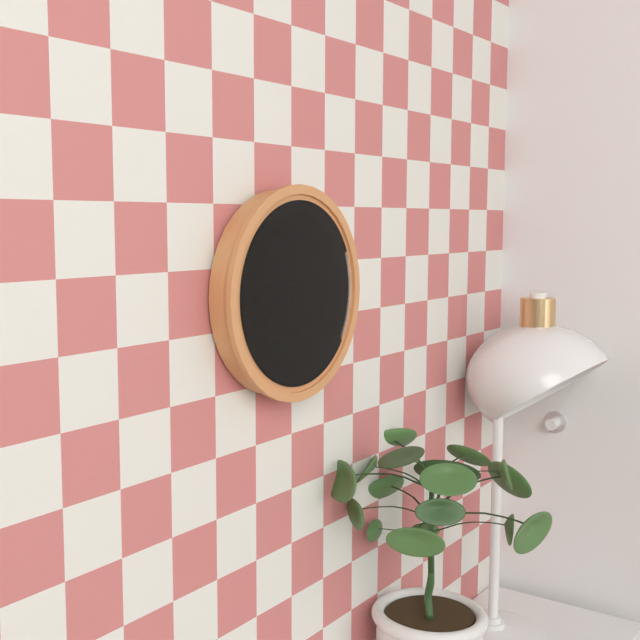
11:21
